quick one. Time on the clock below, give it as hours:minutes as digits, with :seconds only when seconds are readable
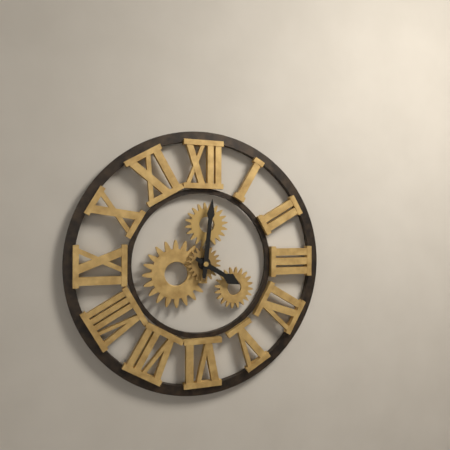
4:01
